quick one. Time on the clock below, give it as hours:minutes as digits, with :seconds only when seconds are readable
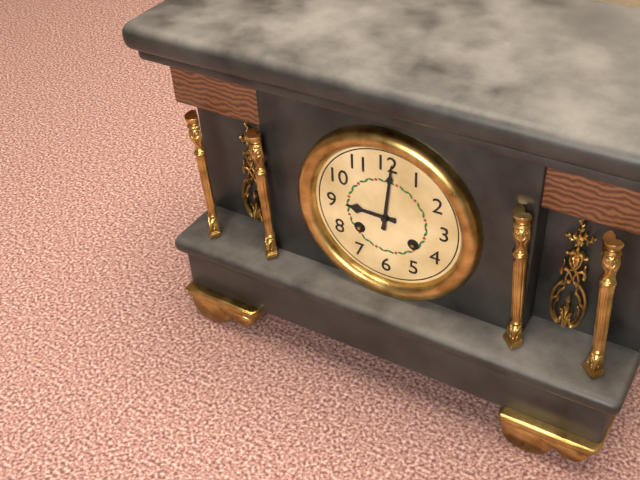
9:01
